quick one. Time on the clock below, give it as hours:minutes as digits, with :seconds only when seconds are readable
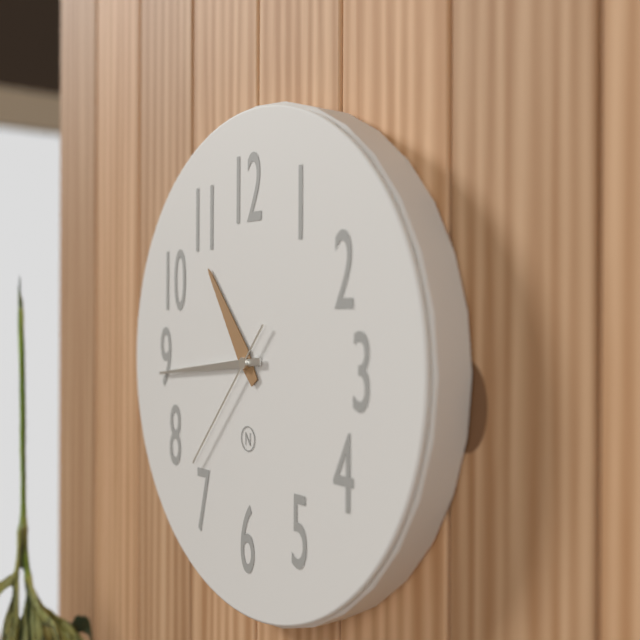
10:44:37
